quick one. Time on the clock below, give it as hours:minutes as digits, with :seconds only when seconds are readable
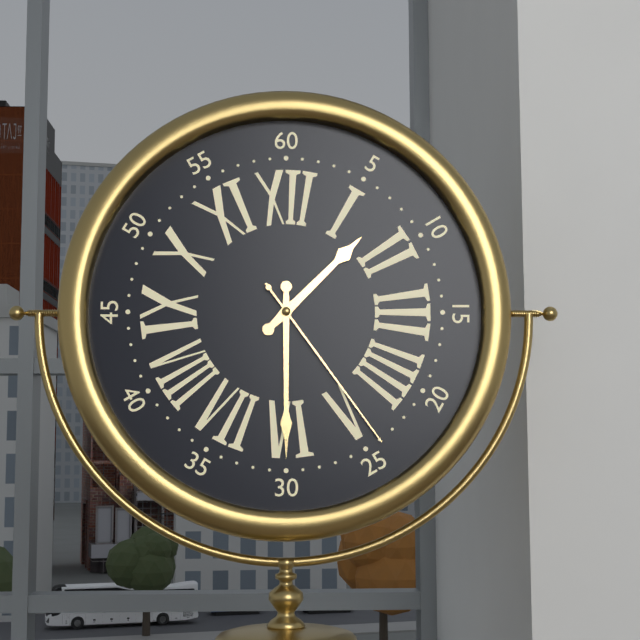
1:30:24
